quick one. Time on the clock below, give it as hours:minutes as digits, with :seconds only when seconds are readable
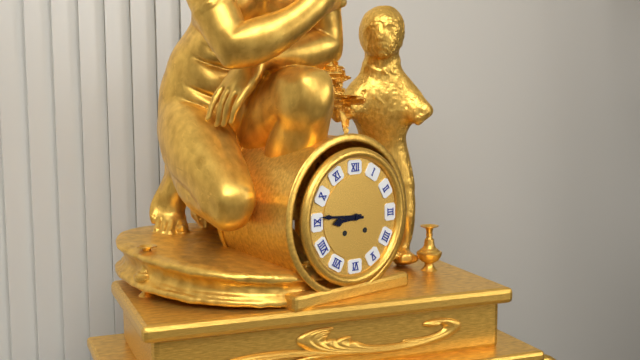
8:46
